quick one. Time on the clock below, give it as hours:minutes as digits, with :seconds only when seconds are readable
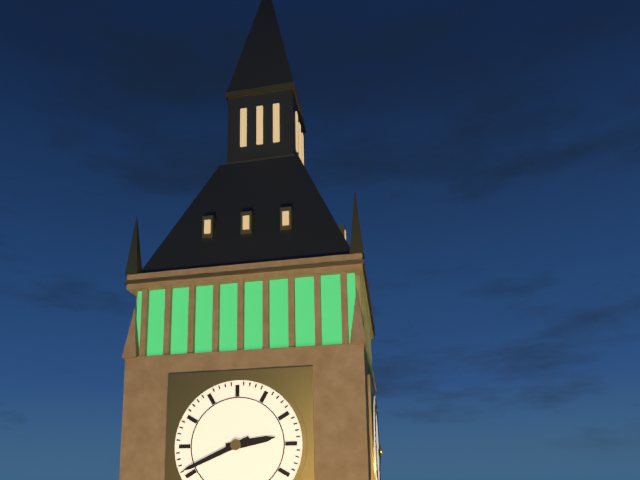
2:41
